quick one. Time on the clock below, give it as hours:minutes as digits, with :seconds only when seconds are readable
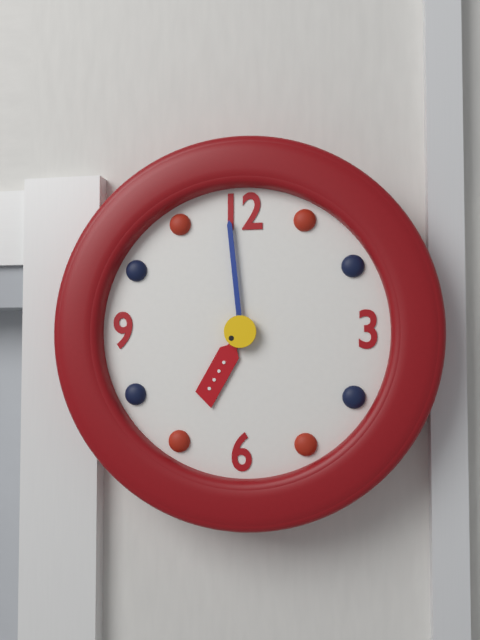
6:59
